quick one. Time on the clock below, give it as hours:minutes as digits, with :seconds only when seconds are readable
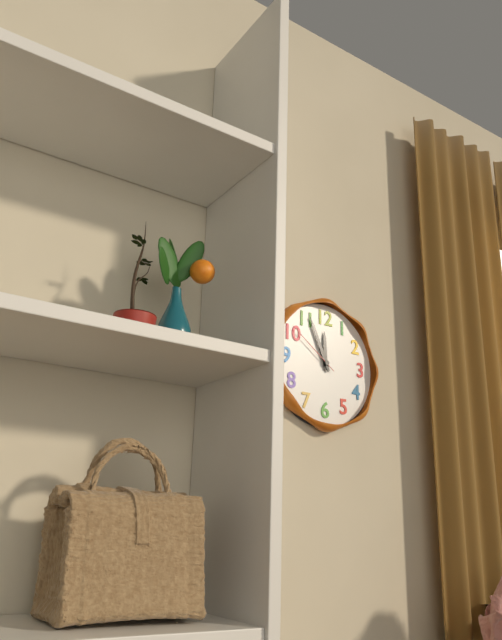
11:56:51
